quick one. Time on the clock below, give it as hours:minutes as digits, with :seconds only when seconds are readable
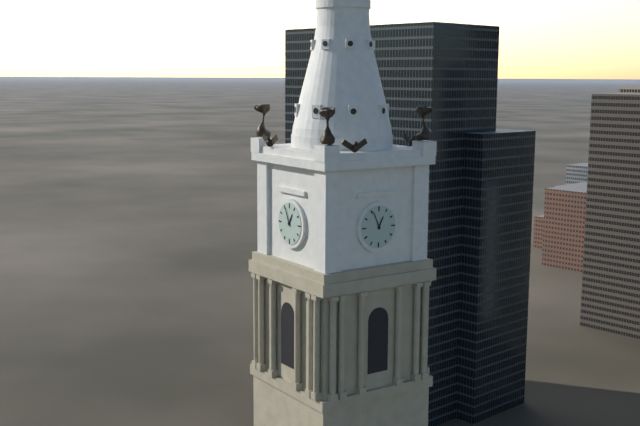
12:56
